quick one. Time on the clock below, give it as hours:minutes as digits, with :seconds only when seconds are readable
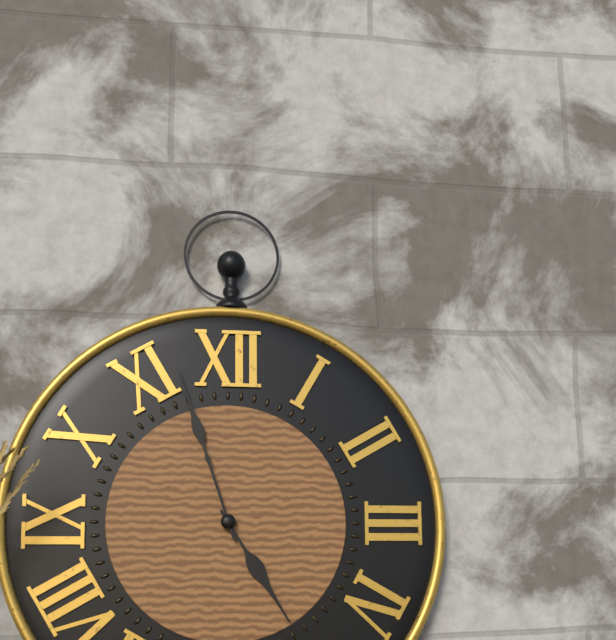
4:57
